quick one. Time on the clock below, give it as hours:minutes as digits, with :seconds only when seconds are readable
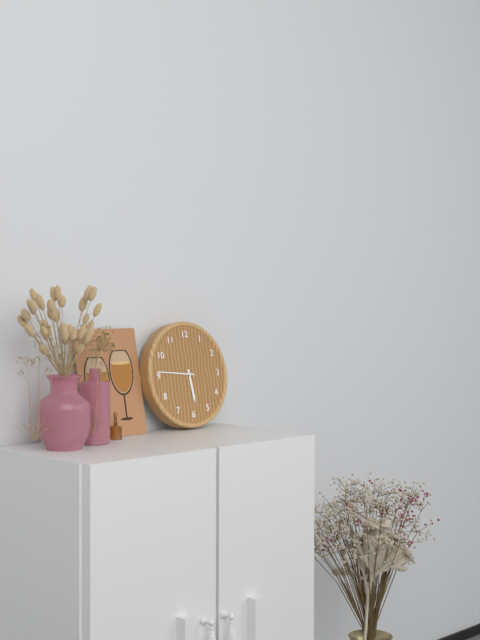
5:46
